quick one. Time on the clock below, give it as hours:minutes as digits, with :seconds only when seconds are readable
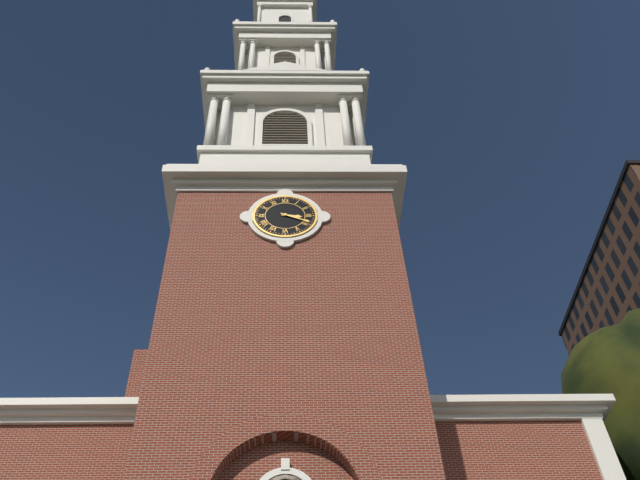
3:19
